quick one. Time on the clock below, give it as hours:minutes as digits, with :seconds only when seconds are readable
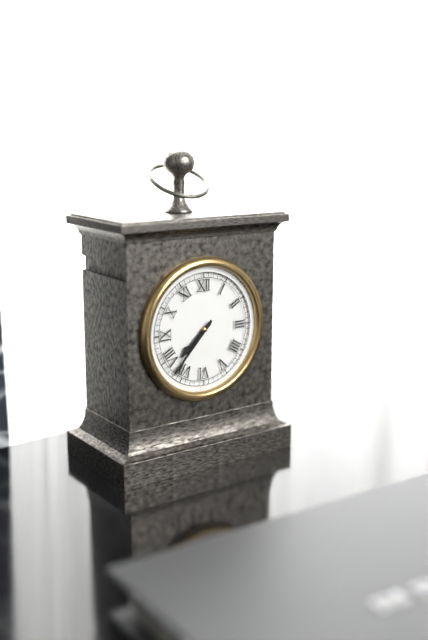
7:37
